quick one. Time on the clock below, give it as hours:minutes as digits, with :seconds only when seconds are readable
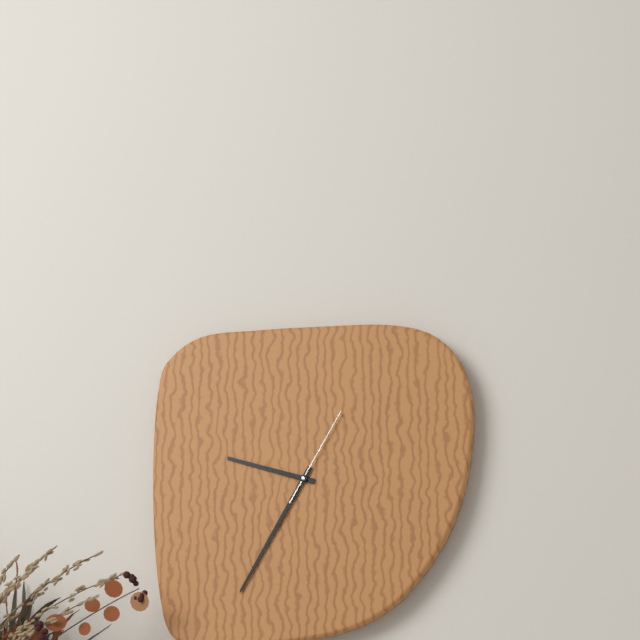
9:35:05
